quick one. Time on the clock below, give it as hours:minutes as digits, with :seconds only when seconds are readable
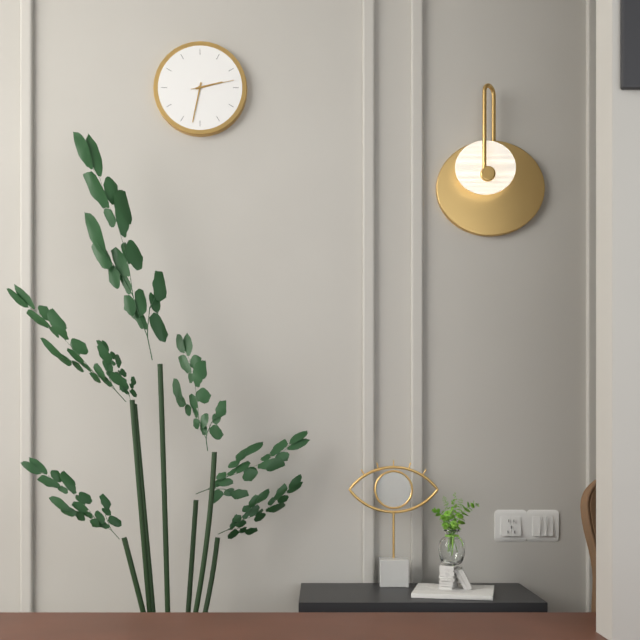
2:32
